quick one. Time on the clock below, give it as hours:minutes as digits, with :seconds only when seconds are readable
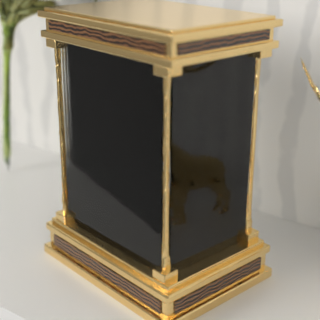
5:00
